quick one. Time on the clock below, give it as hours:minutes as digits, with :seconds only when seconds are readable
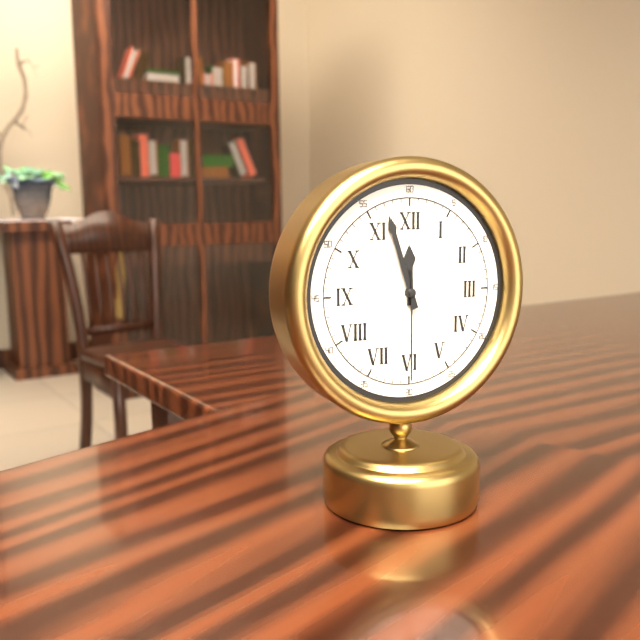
11:57:30
